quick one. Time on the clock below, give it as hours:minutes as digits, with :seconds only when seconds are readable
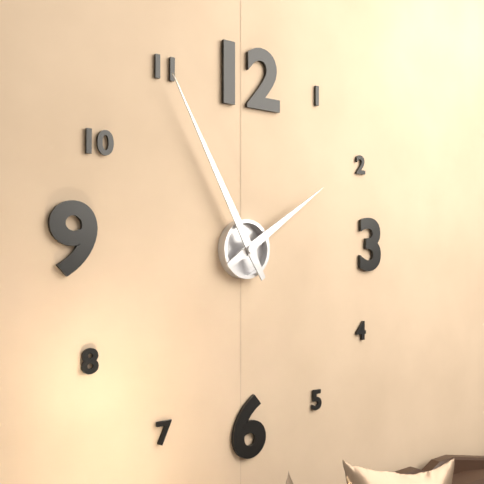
1:55
